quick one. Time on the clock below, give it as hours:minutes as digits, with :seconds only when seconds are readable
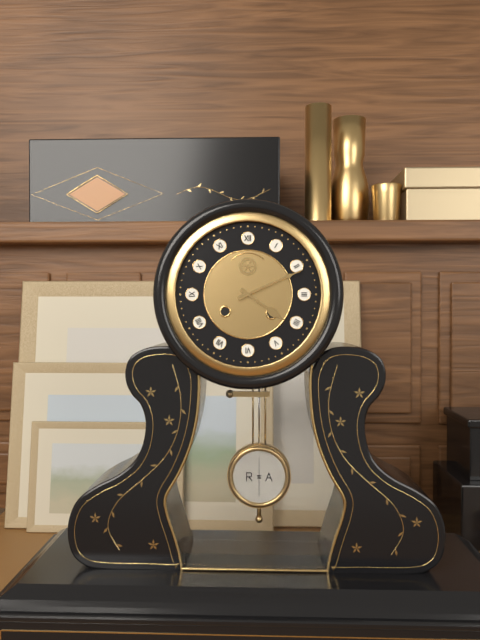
4:11
